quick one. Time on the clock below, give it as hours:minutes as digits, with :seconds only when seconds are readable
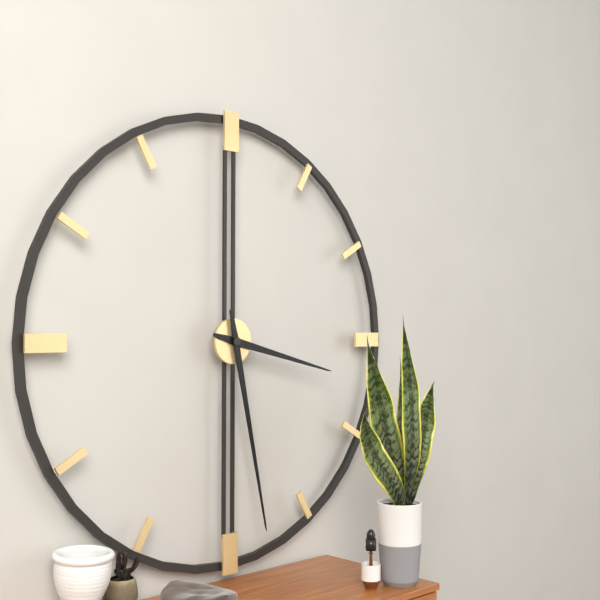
3:28
